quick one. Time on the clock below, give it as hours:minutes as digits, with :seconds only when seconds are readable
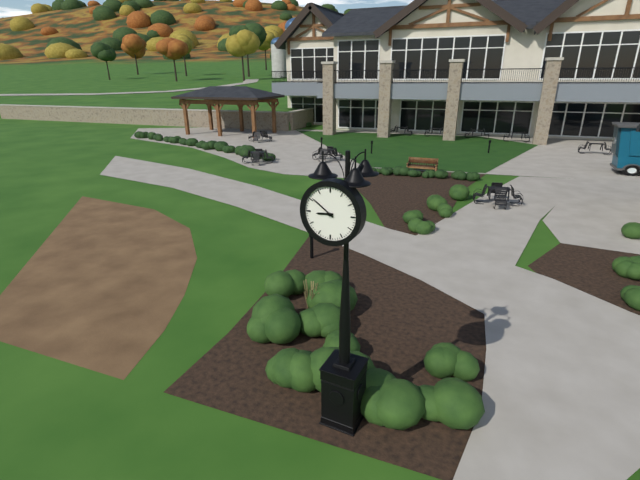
8:51
